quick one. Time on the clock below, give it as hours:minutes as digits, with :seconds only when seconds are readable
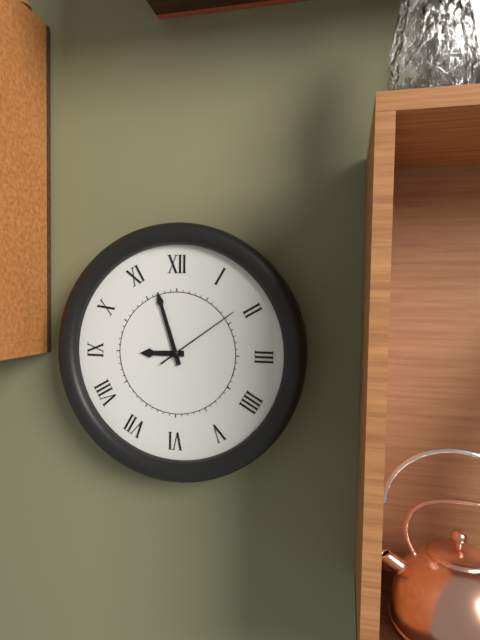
8:57:09
